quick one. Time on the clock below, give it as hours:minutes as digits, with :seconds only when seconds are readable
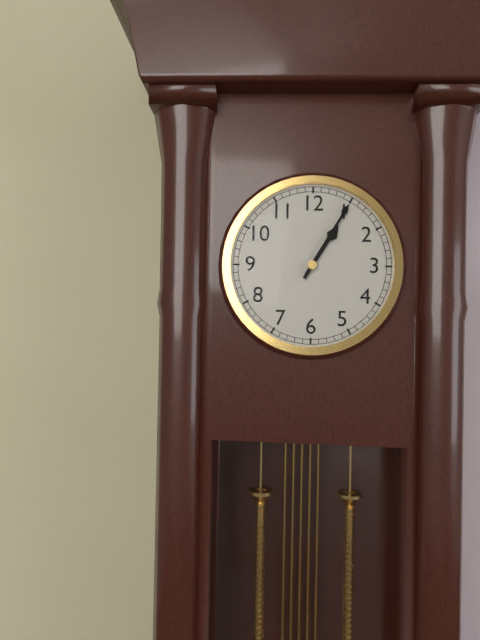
1:05
